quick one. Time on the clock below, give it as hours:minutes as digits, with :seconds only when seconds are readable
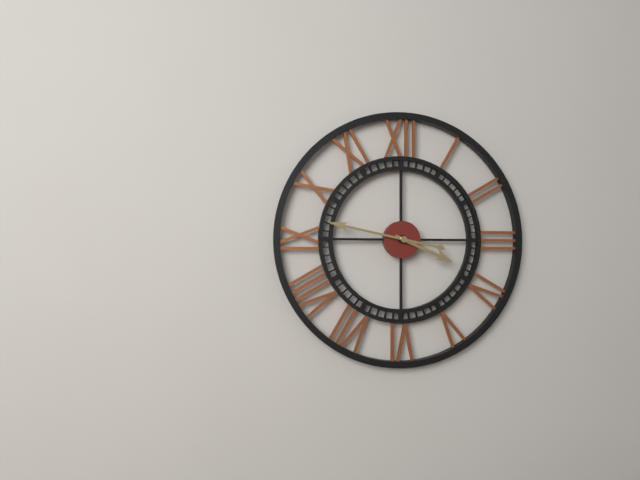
3:47
